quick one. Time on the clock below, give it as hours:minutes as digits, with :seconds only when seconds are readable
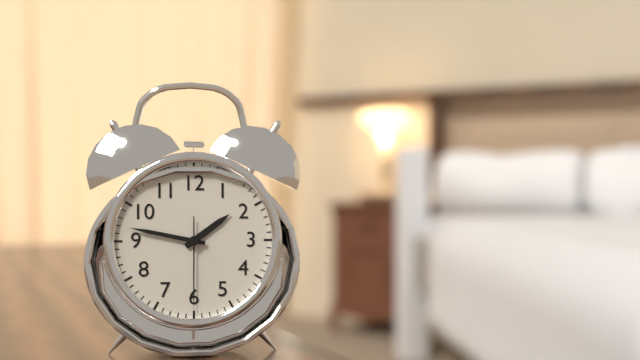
1:47:30
